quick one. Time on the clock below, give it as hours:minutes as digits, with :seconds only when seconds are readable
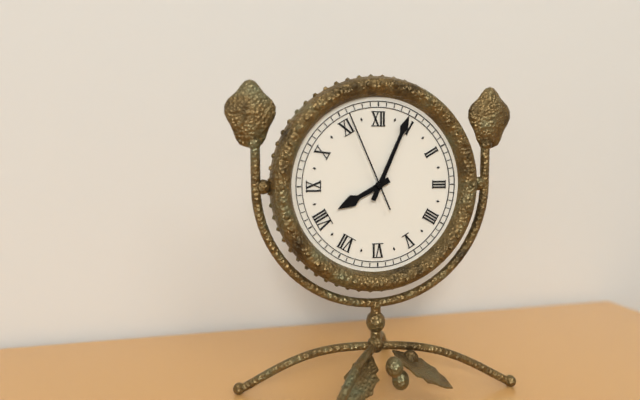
8:04:56
